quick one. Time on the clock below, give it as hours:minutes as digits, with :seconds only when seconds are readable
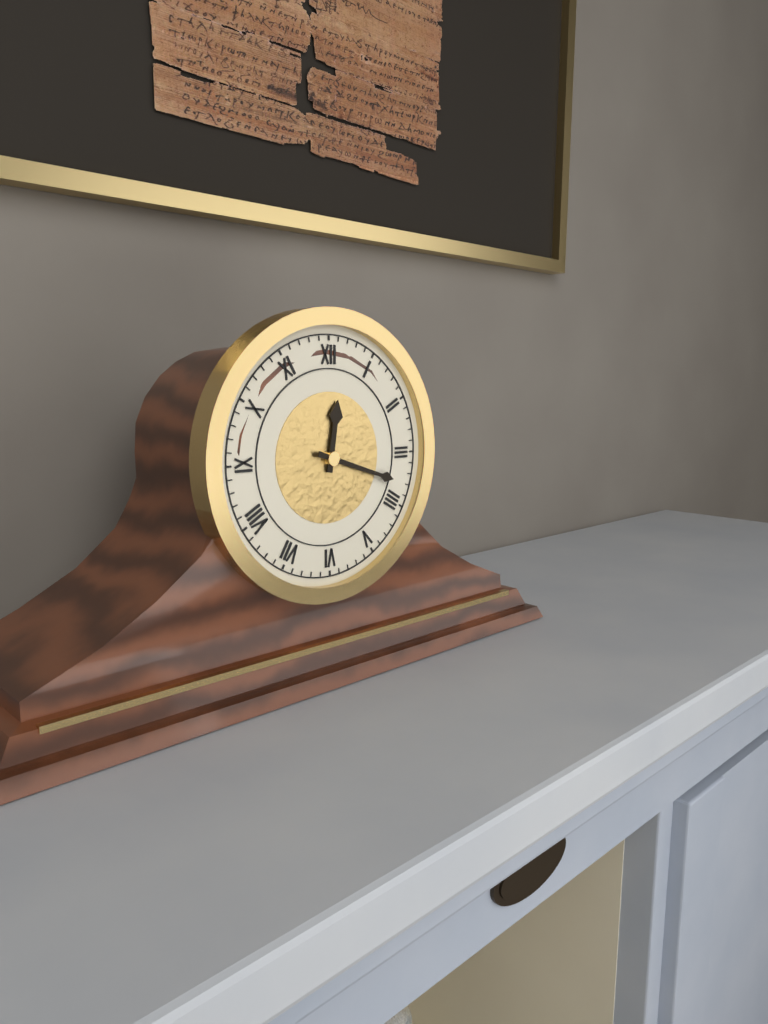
12:18
